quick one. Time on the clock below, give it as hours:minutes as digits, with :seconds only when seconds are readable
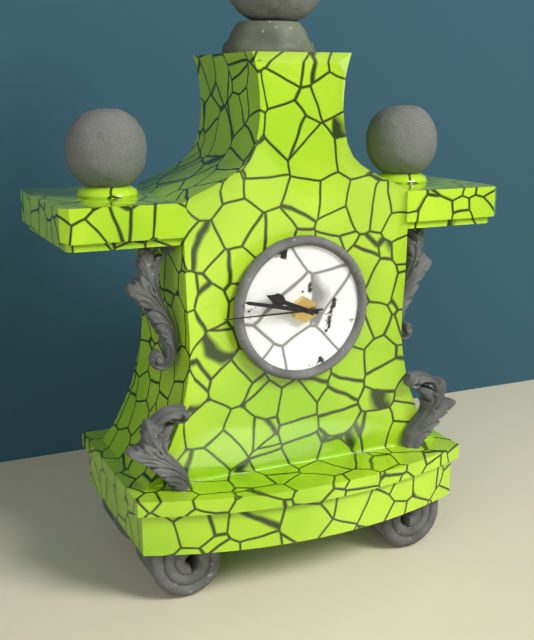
9:47:45
